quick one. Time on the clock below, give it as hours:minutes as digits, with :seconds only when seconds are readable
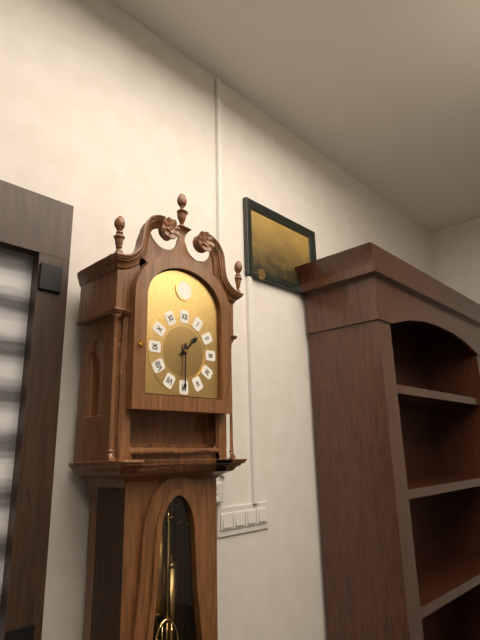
1:30
